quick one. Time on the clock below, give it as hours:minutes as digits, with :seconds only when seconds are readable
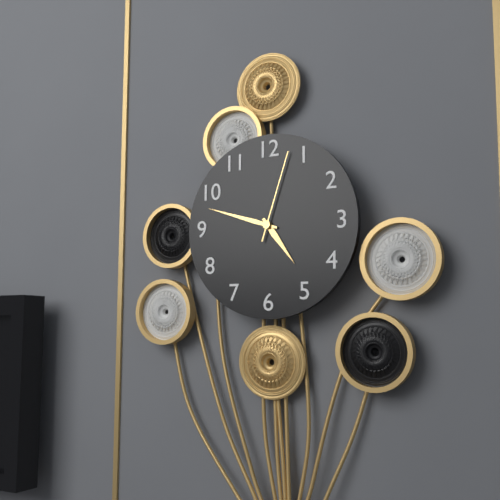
4:48:03
